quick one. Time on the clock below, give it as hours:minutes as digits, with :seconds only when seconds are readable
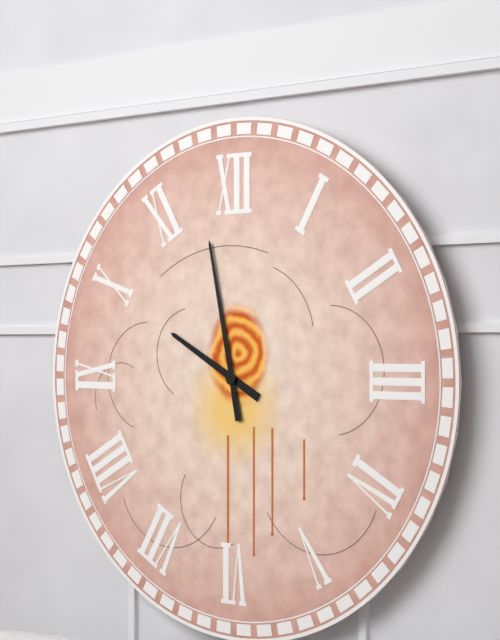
9:58
